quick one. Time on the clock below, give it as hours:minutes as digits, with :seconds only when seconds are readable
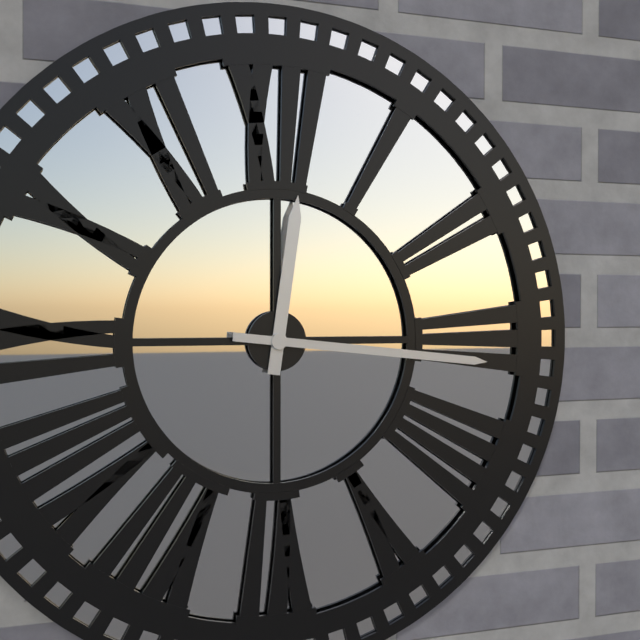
12:16
